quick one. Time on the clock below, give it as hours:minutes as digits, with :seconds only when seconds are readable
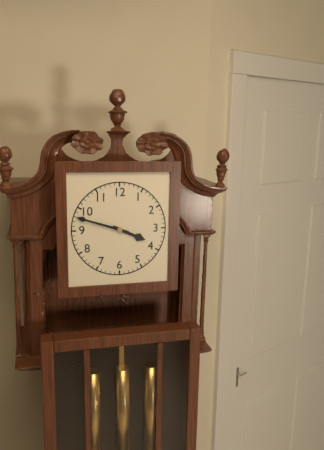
3:48
